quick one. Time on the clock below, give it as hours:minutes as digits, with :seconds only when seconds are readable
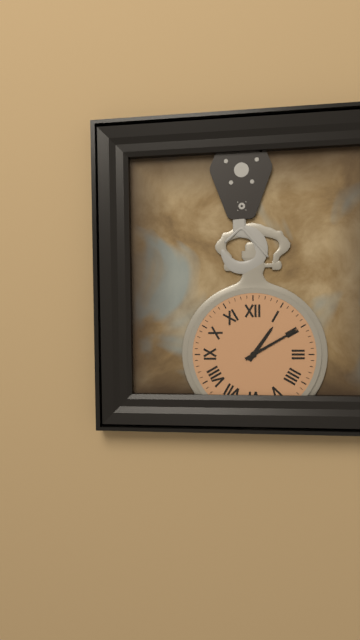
1:10
